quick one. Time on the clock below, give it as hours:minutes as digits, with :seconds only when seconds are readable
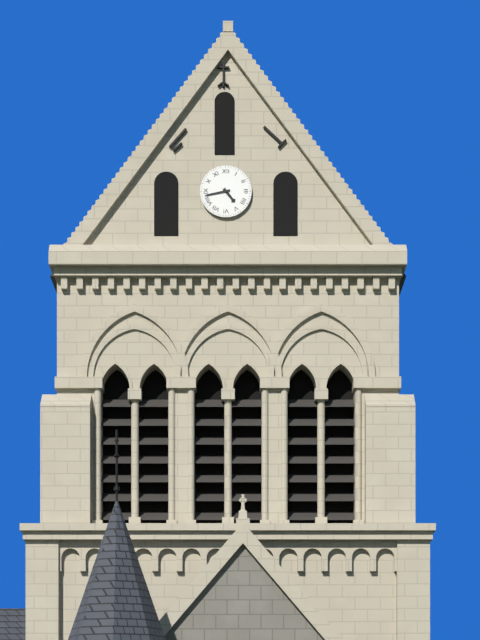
4:43
